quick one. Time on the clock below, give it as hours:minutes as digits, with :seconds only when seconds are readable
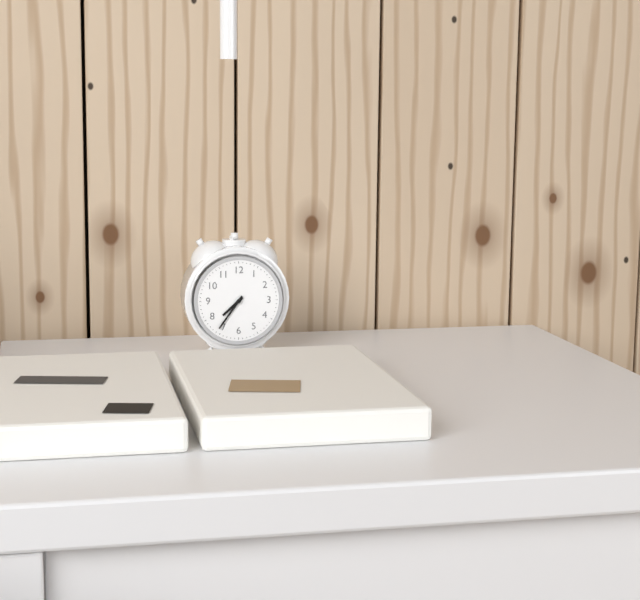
7:36
